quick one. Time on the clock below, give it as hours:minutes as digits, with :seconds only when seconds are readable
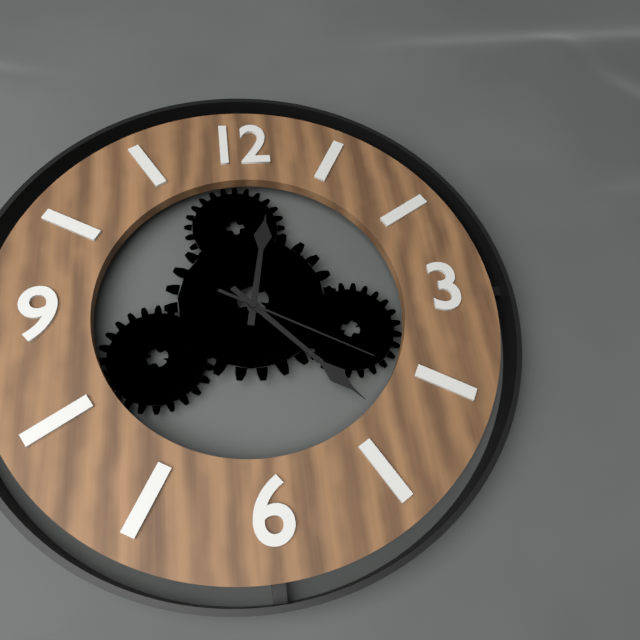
12:23:20
